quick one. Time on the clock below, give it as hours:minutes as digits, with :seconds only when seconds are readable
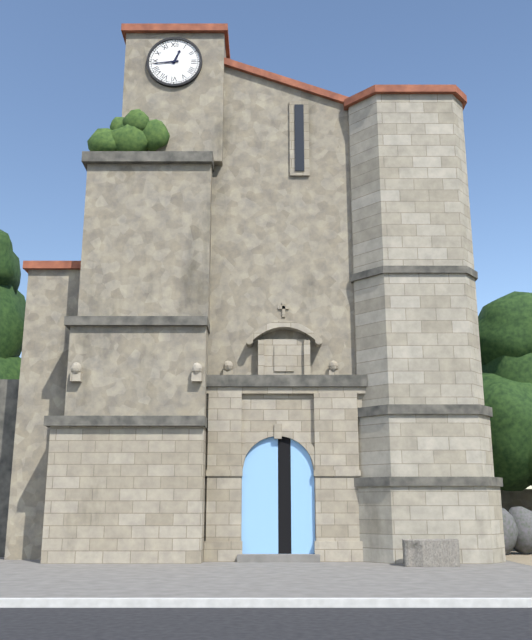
12:44
